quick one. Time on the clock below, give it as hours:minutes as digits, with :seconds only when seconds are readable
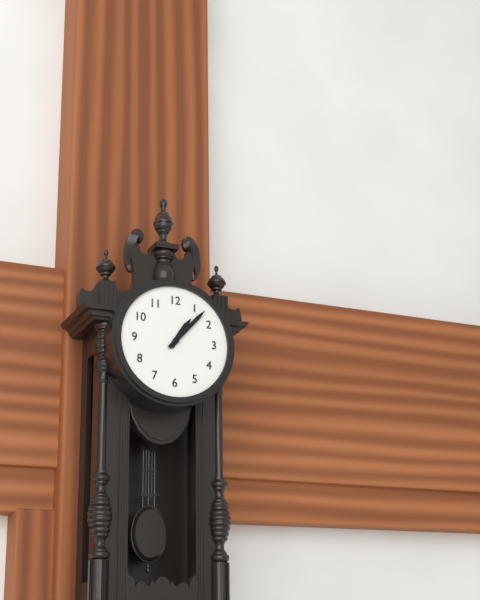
1:07
